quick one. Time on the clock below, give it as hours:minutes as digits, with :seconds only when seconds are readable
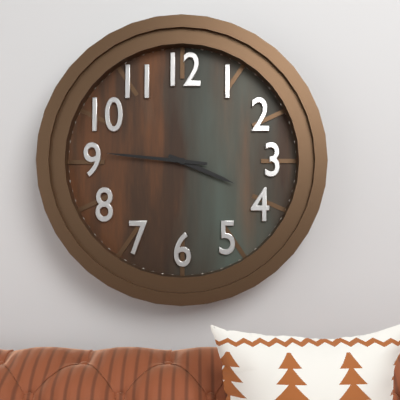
3:46
